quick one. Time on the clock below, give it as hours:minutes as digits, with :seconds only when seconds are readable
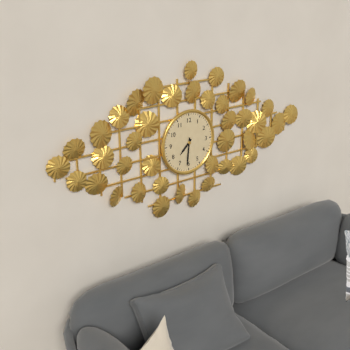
7:31
